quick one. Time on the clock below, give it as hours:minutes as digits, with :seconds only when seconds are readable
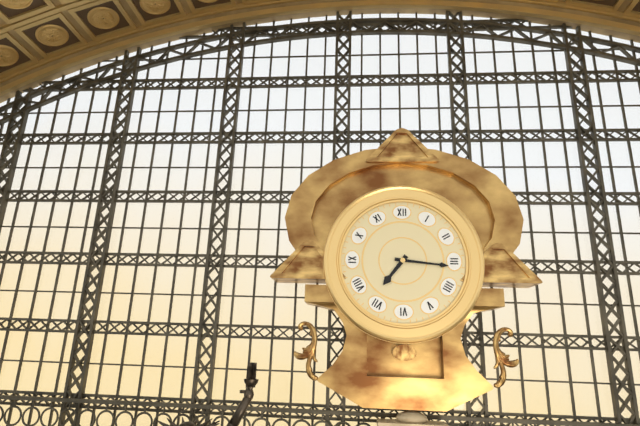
7:16
